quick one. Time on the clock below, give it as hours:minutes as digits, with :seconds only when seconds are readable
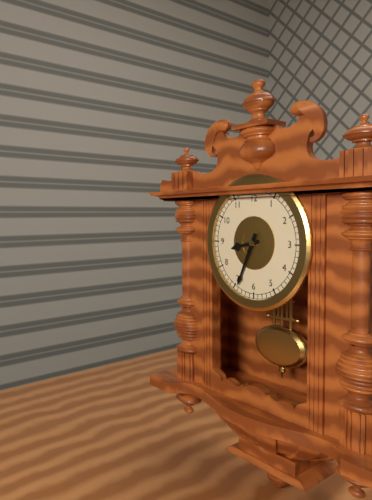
8:34
